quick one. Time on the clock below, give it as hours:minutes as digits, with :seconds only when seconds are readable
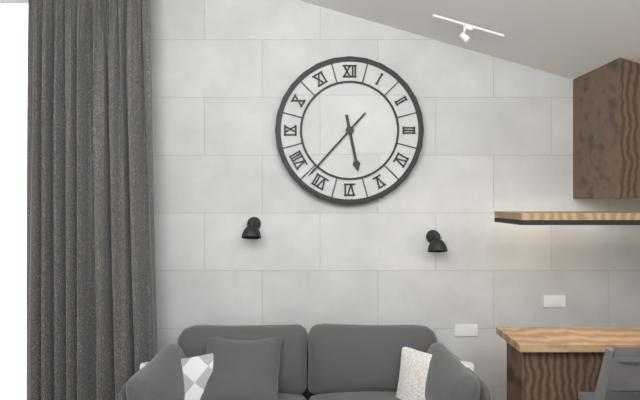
5:37
